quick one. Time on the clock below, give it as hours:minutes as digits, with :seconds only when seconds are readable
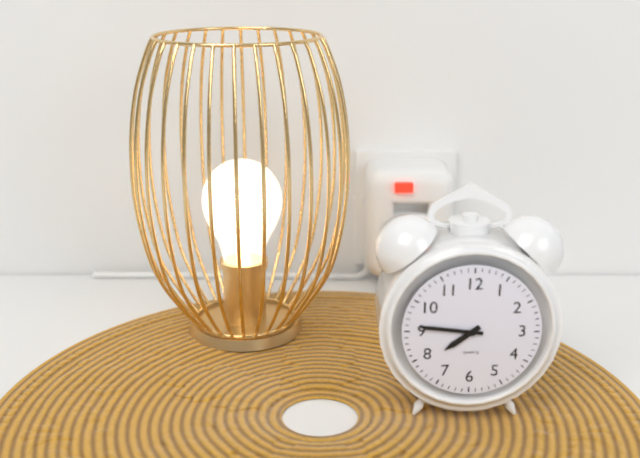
7:46
